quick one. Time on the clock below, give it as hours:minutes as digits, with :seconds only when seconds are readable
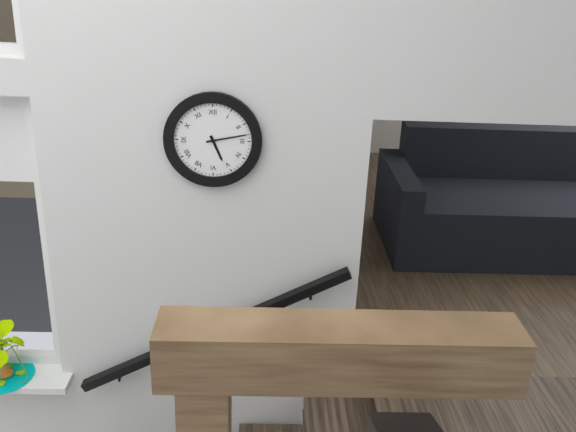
5:13
